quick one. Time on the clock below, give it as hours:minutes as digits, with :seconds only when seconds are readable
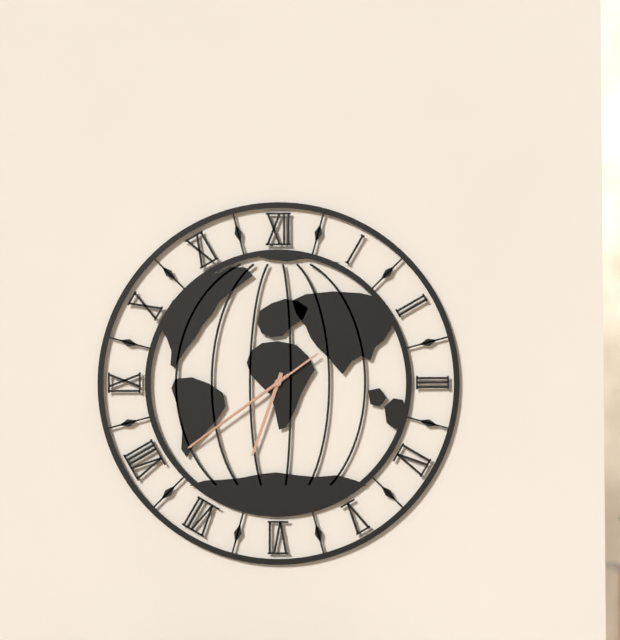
6:39:39
